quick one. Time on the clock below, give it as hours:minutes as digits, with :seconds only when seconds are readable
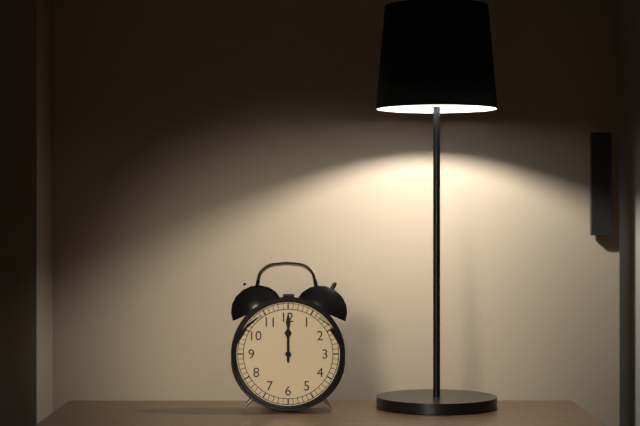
12:00
